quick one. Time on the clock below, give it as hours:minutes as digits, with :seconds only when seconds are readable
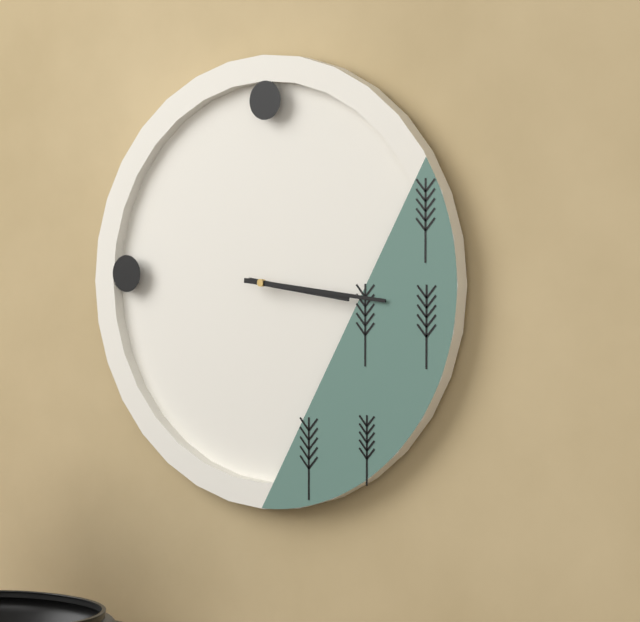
3:16
